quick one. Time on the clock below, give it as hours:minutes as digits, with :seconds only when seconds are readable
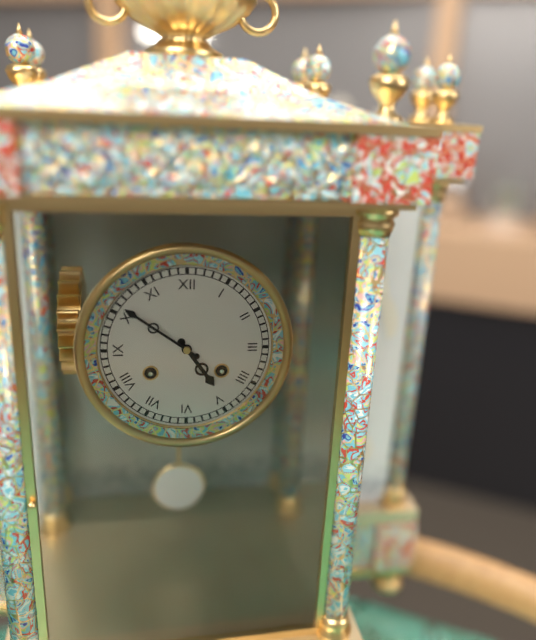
4:51
